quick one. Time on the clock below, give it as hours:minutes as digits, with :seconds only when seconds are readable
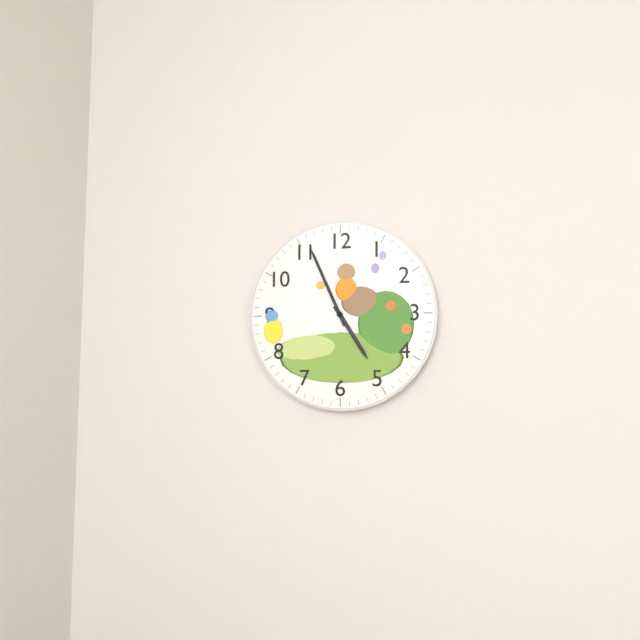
4:56
